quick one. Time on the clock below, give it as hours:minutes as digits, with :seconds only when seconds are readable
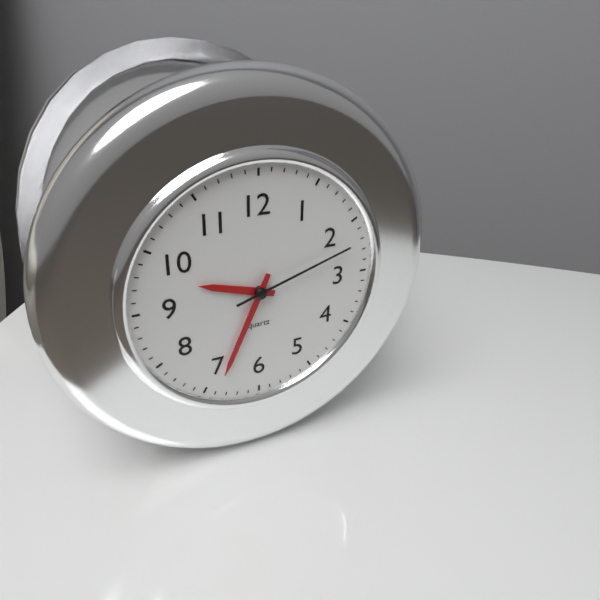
9:34:12
